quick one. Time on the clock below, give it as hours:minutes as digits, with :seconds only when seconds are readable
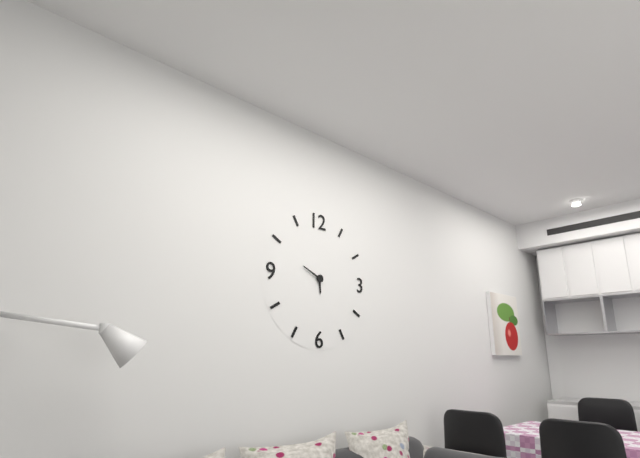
5:49
